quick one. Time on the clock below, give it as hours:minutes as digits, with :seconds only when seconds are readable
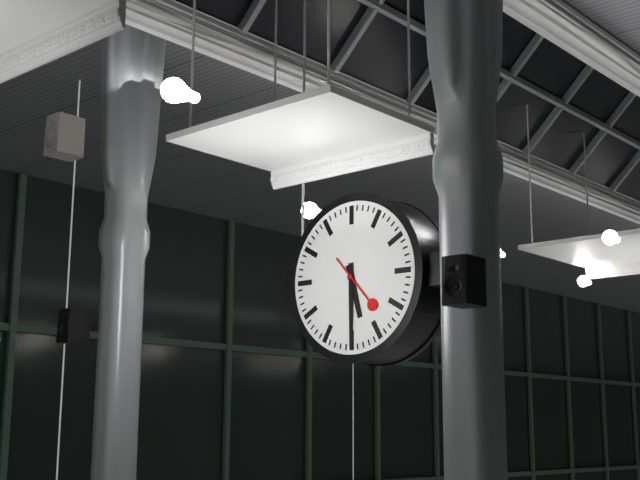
5:30
